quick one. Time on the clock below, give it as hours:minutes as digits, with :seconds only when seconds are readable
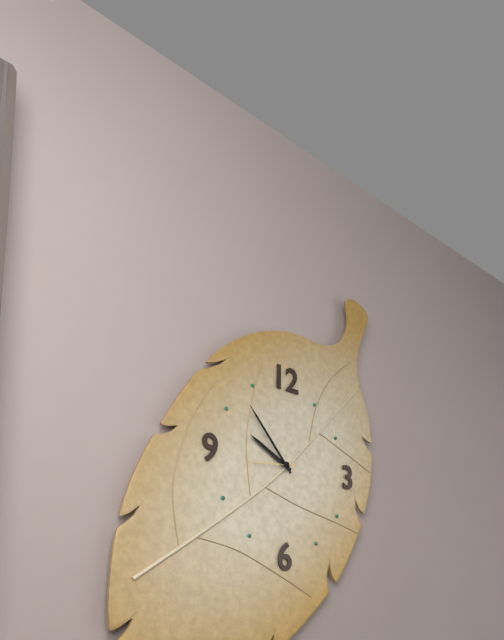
9:53
